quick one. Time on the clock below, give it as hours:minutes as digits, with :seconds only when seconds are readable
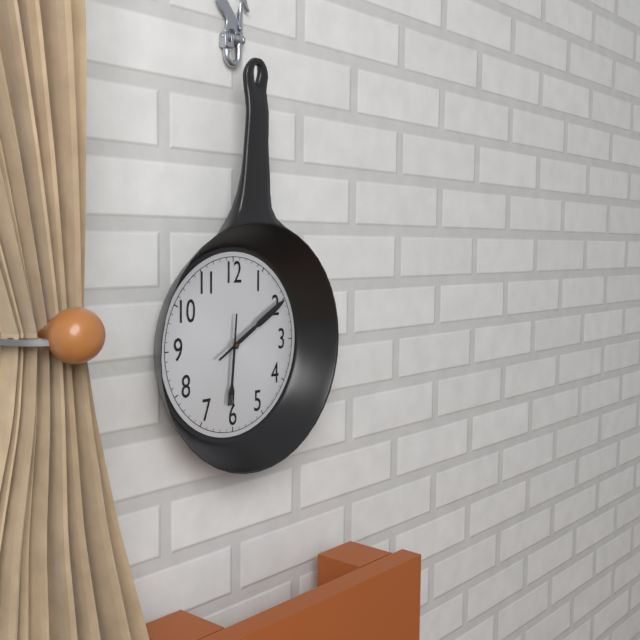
6:10
